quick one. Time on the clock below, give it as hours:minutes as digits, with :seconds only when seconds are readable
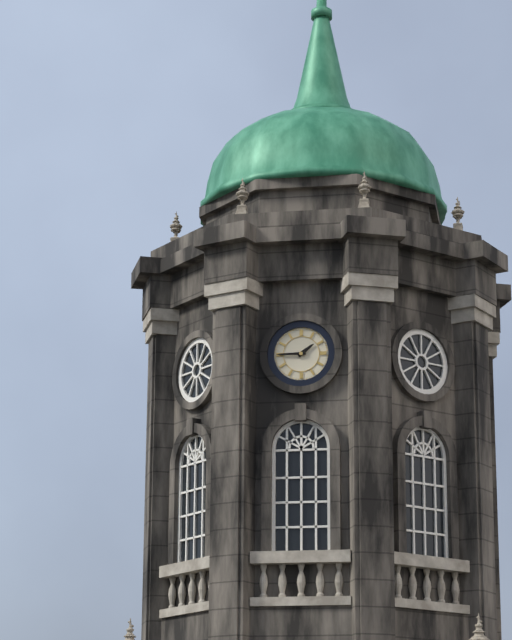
1:45
